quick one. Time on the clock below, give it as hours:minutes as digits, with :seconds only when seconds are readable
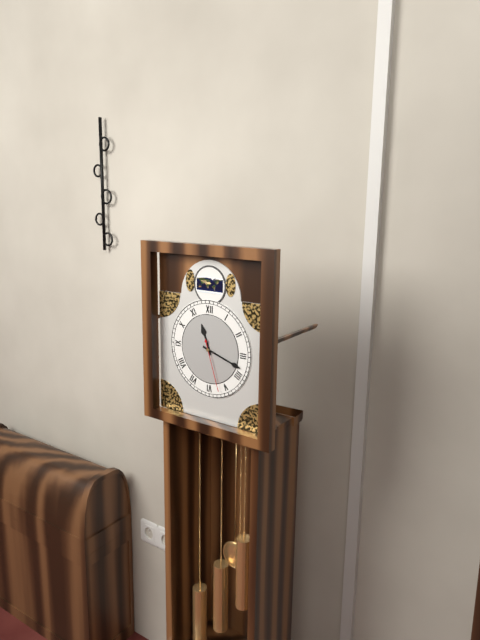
11:18:27
